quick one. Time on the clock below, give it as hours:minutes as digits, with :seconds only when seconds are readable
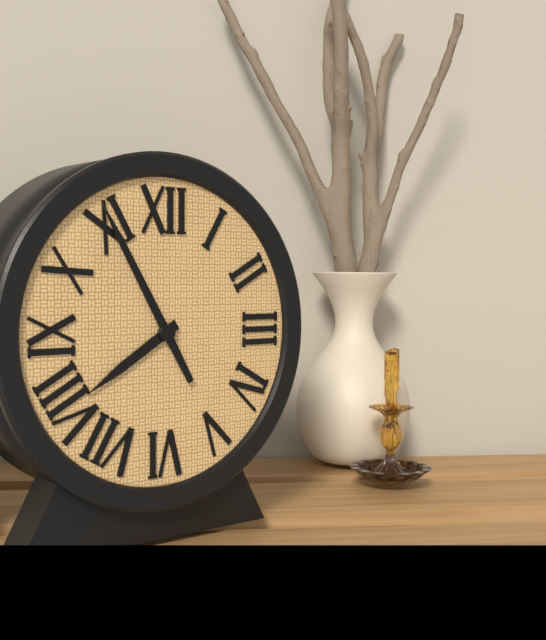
7:55
